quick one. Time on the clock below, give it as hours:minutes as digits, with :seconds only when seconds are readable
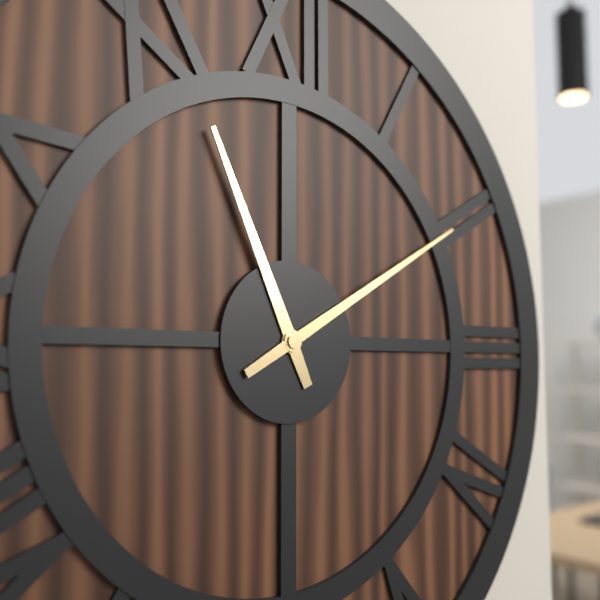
11:10
